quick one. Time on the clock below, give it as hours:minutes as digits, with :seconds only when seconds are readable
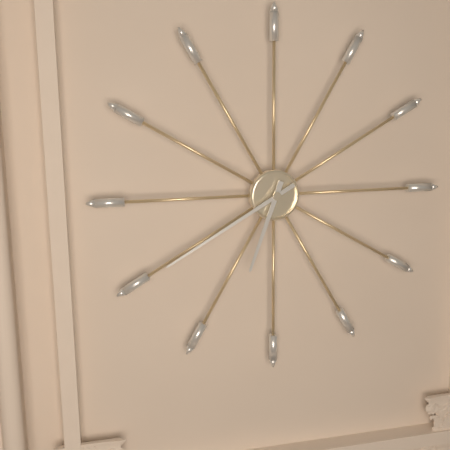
6:40
